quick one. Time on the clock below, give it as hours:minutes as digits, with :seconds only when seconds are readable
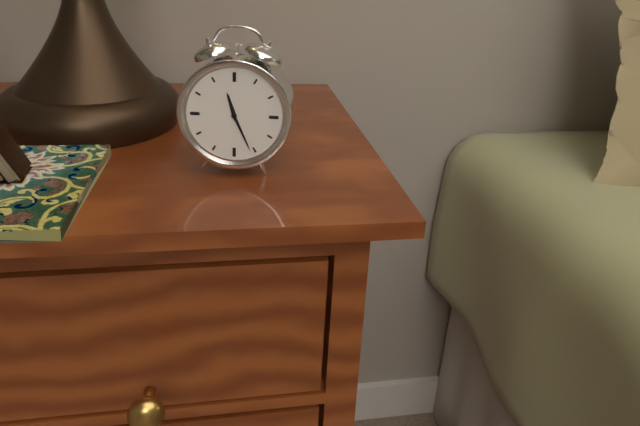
11:26
